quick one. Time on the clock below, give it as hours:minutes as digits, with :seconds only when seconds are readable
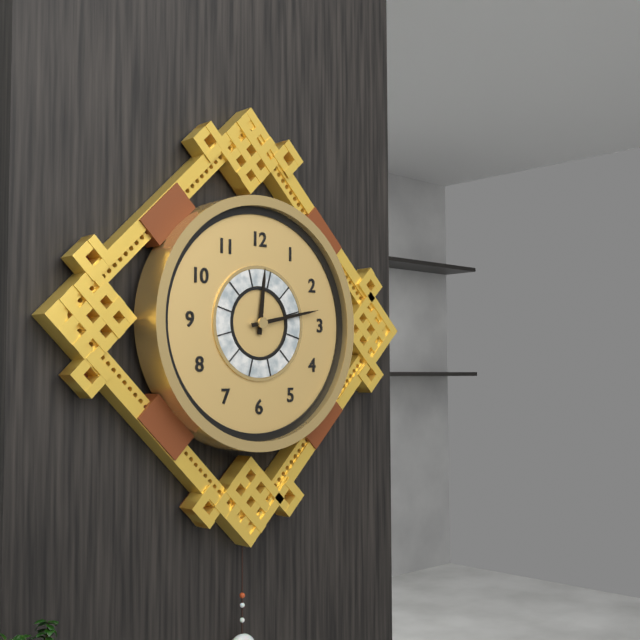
12:13
